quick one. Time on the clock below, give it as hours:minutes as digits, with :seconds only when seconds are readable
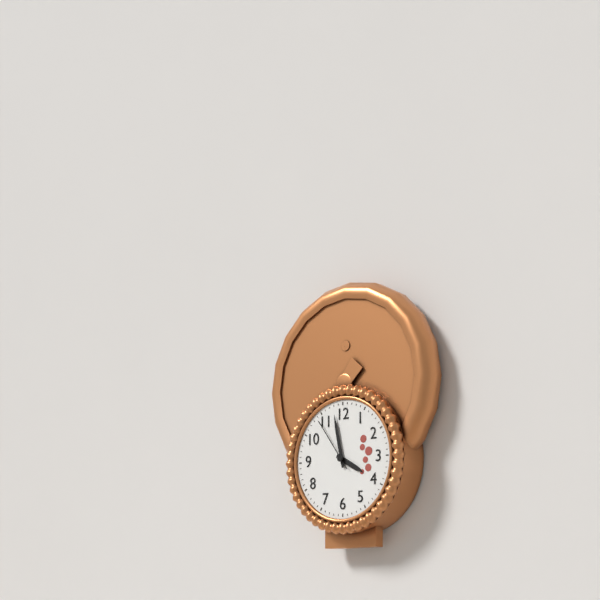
3:58:54
